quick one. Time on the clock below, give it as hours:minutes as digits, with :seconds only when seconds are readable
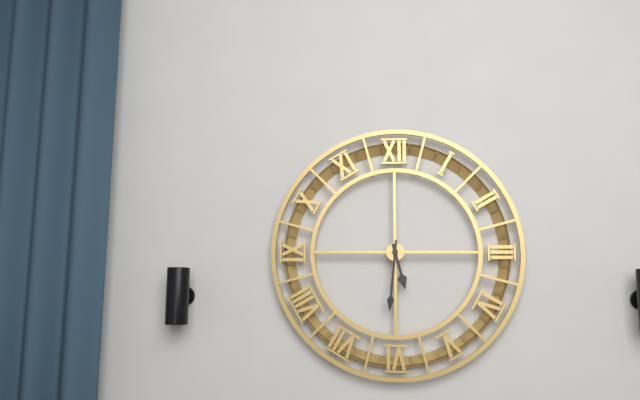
5:31
